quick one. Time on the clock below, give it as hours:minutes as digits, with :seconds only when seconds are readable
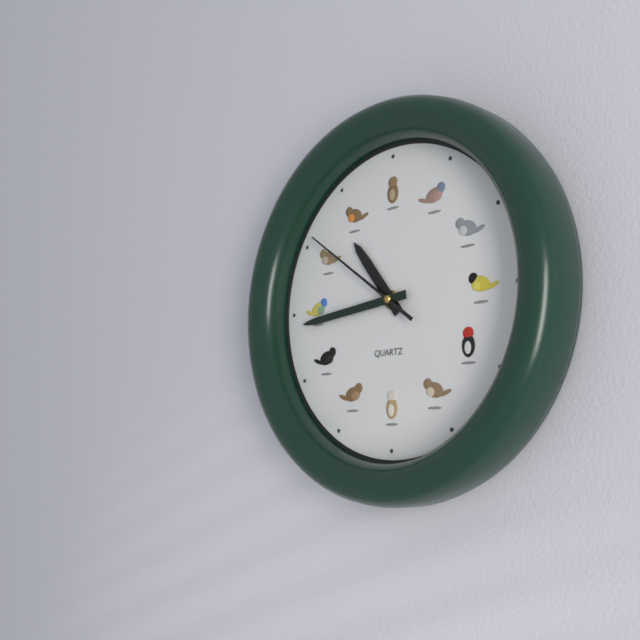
10:44:51
